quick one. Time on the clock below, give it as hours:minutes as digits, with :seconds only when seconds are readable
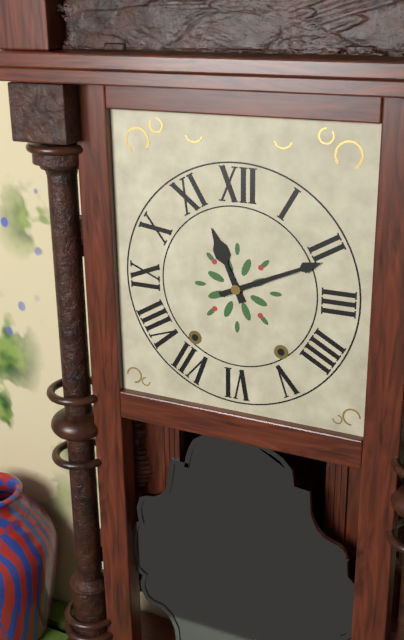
11:11
